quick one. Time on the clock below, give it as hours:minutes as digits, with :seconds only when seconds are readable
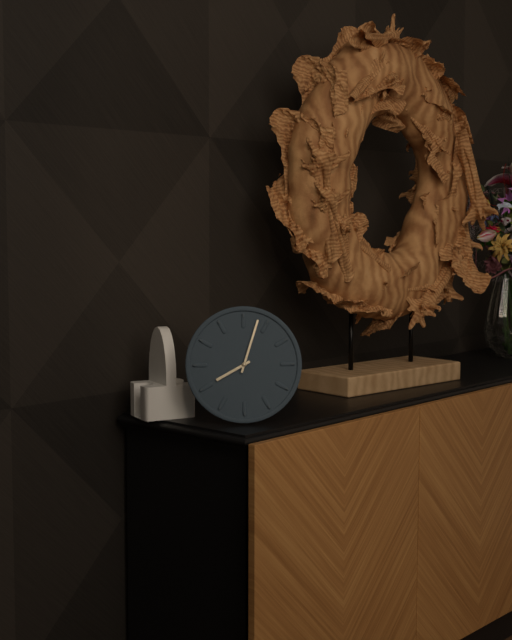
8:03
